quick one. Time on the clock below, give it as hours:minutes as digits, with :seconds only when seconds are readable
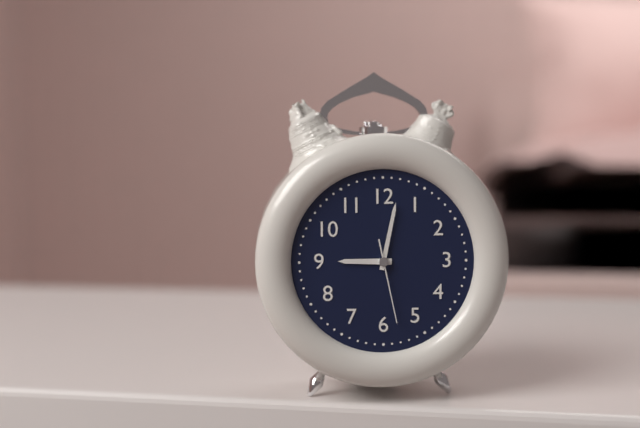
9:02:28
